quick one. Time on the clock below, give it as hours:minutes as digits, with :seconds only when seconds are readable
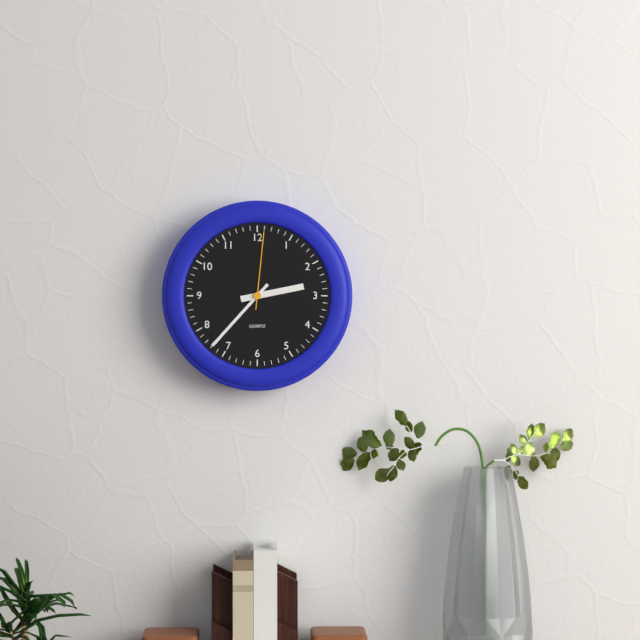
2:37:01
